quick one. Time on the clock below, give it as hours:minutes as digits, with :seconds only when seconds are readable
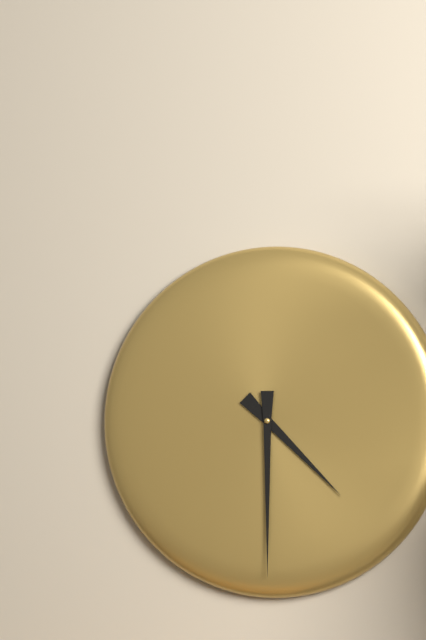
4:30
